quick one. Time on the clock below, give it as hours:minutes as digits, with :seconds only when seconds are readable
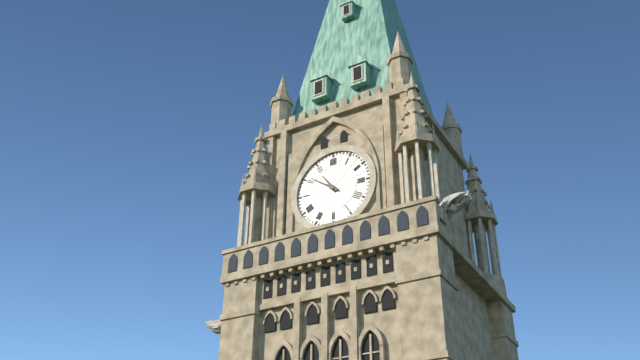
10:51
